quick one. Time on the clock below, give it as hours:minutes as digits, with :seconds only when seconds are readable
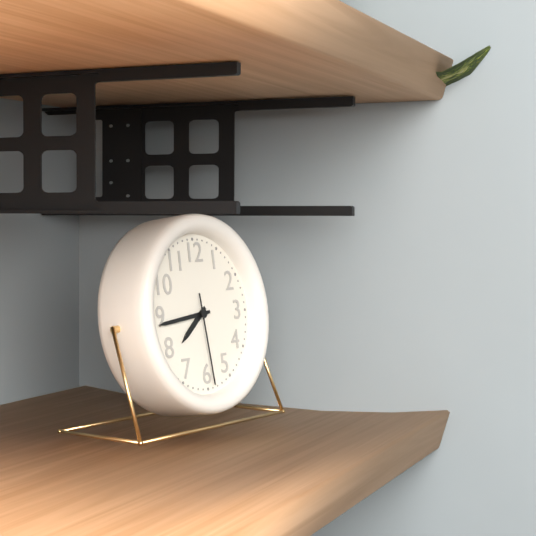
7:44:29
